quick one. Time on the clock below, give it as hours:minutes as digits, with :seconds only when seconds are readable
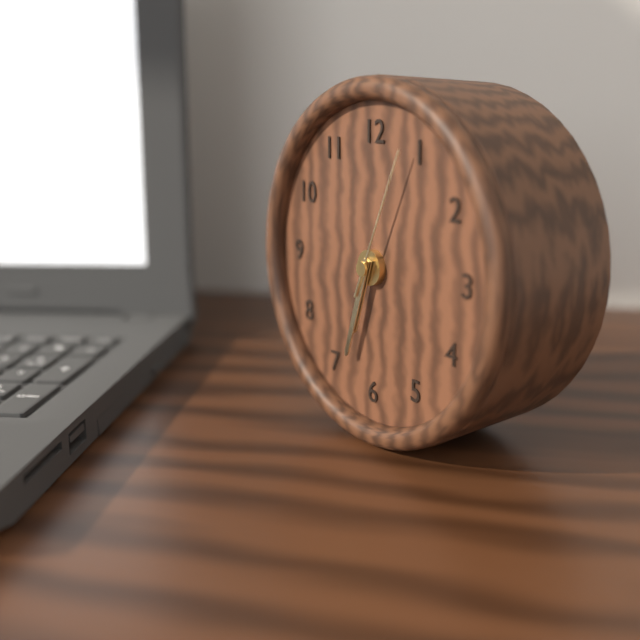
6:33:04
